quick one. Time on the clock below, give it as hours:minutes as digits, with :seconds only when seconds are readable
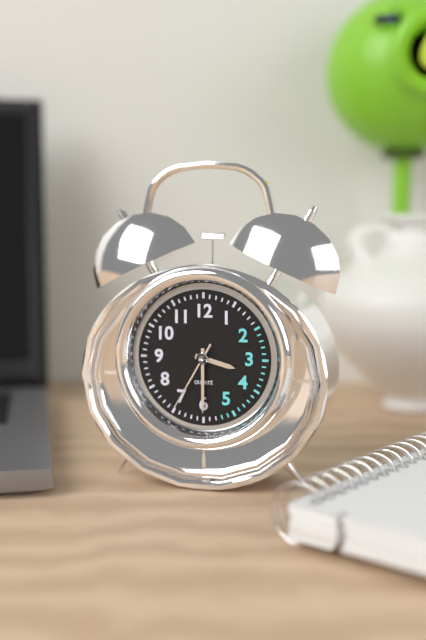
3:30:35
